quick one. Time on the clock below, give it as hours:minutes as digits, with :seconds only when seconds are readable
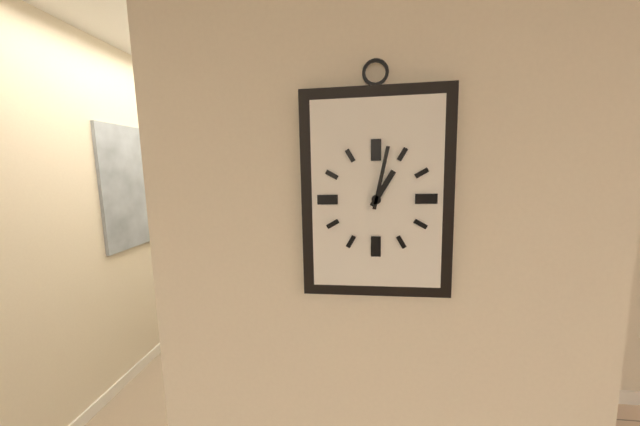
1:02
